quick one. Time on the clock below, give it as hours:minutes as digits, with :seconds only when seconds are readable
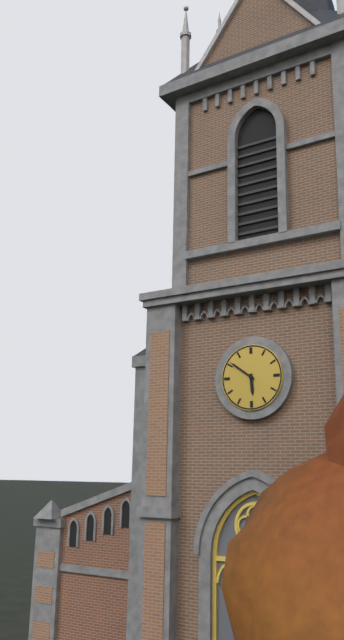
5:51
